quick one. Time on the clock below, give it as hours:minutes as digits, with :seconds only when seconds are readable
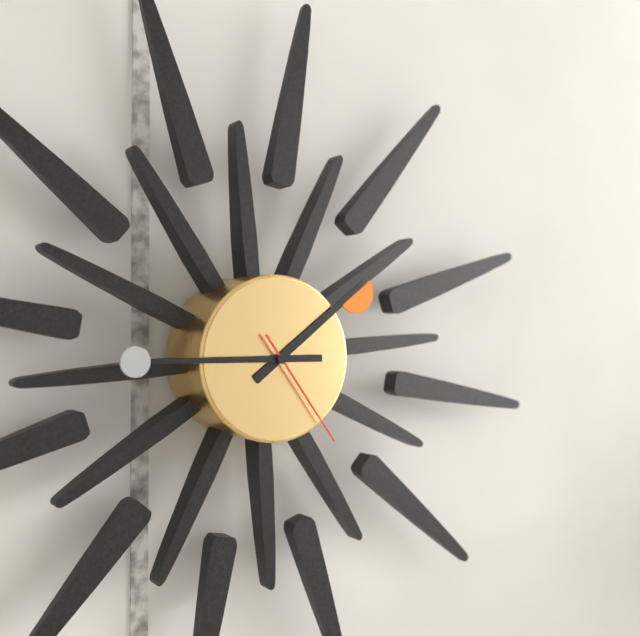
1:45:24
